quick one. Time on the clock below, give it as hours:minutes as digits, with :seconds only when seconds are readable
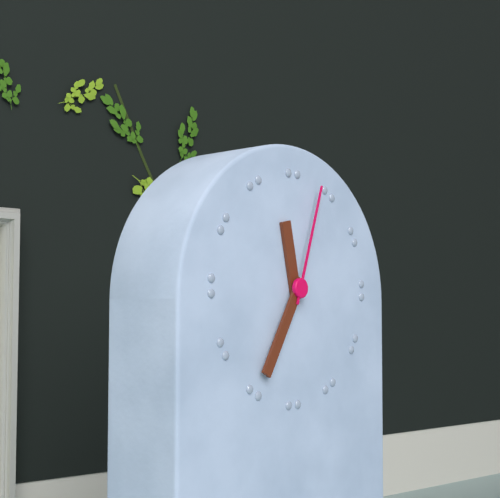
11:35:03
